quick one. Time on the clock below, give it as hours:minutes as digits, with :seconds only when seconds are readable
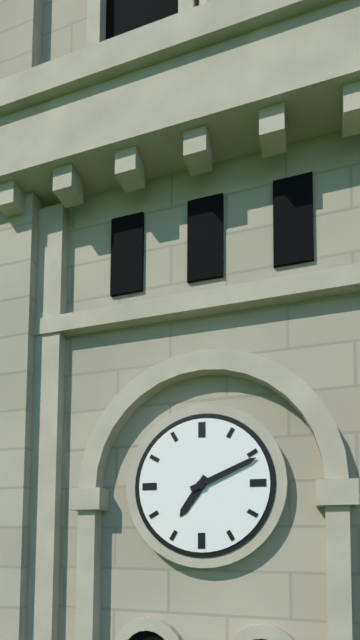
7:11
